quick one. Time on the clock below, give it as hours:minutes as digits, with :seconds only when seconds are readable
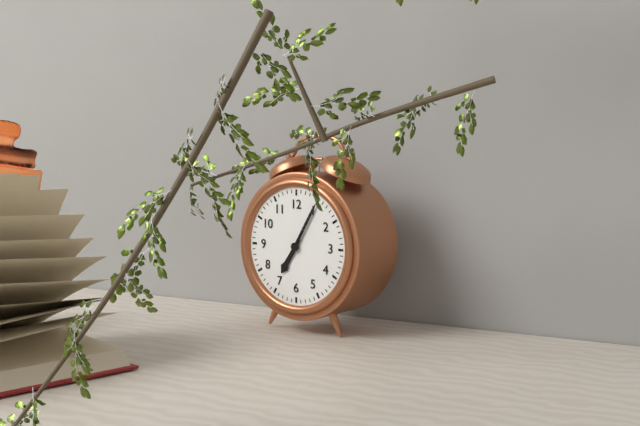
7:05
